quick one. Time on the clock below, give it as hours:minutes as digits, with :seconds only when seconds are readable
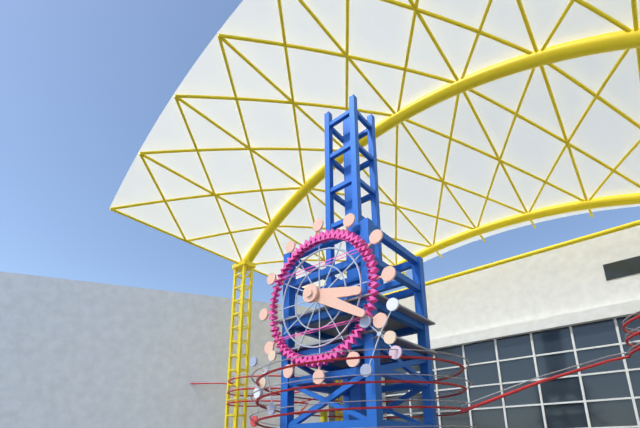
3:20
